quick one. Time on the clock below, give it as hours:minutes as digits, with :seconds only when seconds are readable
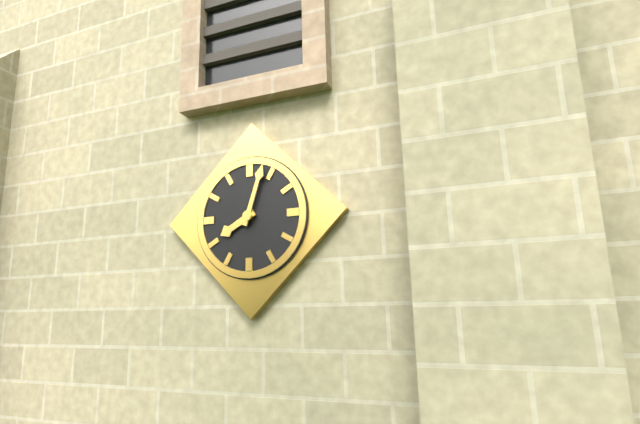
8:03
